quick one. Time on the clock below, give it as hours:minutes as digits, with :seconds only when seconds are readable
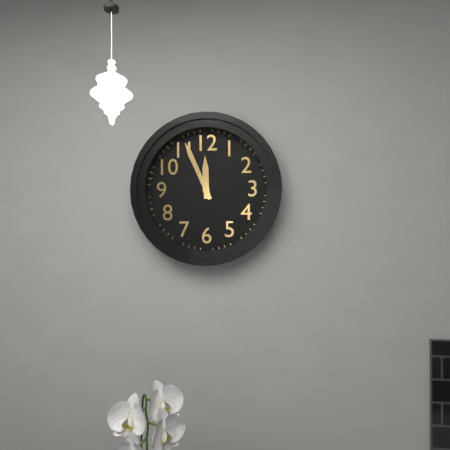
11:56
